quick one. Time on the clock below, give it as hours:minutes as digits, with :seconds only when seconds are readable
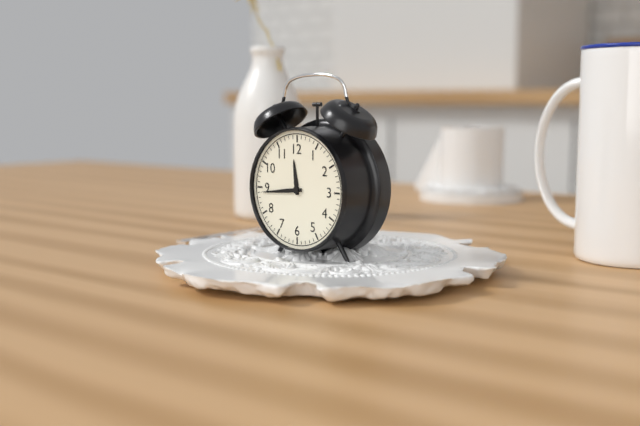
11:44
